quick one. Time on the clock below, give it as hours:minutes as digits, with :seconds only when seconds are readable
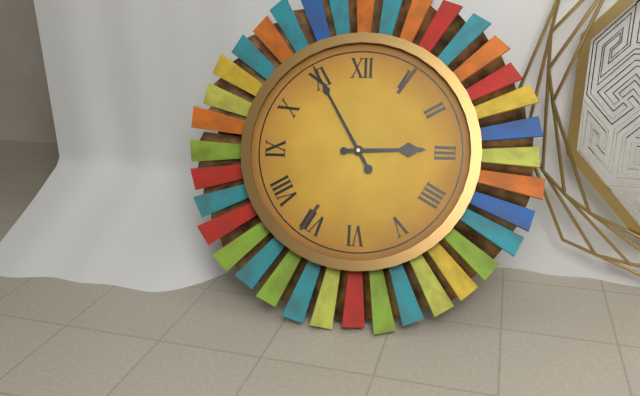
2:55
